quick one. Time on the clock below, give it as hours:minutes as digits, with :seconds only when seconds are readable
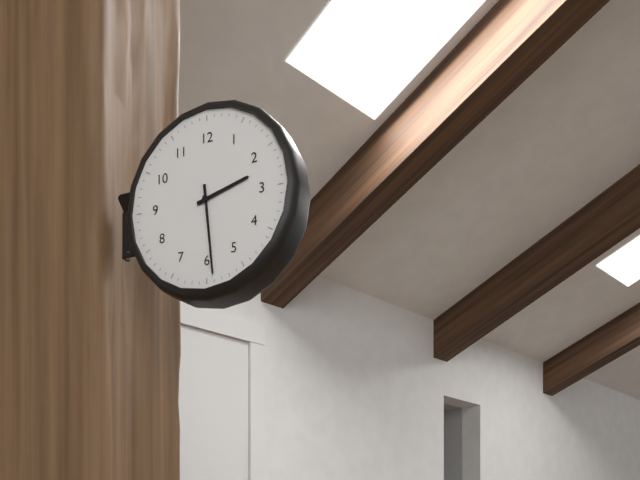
2:29
